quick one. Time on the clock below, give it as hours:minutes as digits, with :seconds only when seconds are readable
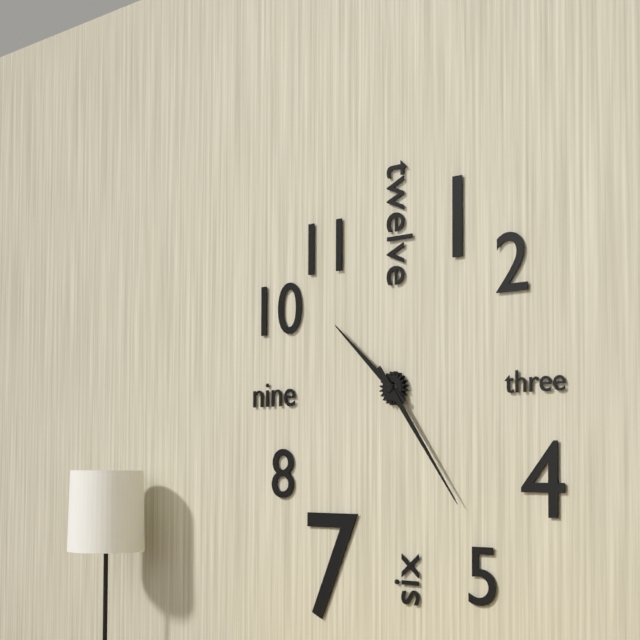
10:24
